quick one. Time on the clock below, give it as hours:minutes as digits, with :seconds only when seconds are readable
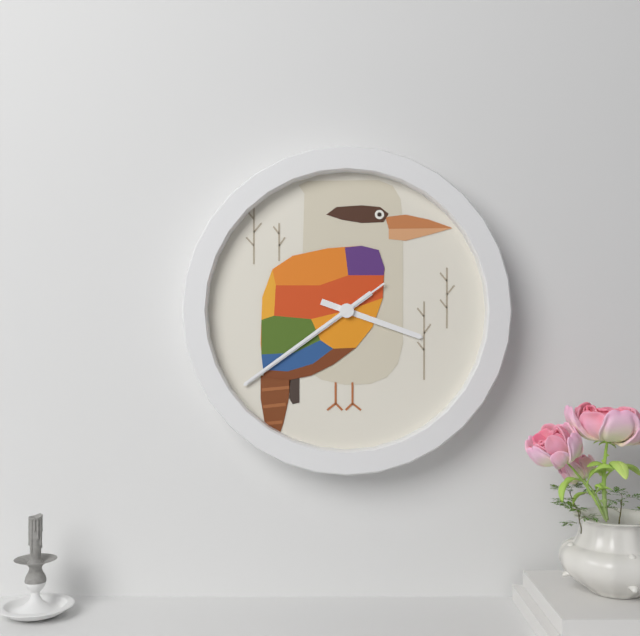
3:39:39
